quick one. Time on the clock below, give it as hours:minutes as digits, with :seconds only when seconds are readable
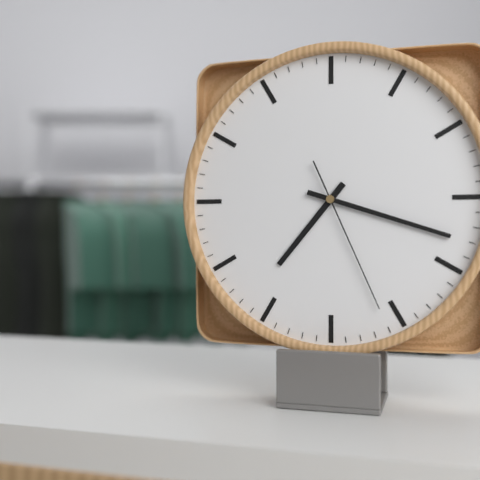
7:18:26
